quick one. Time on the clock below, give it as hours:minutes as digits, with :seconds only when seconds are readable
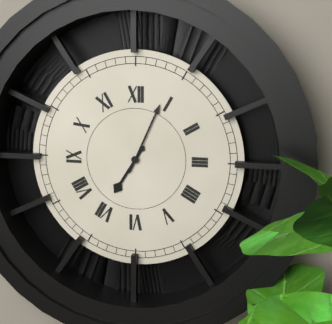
7:04
